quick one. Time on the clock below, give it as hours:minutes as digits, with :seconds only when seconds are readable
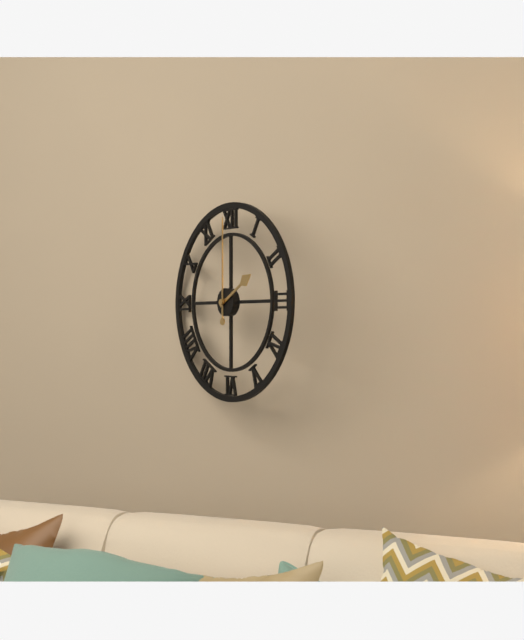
2:00
